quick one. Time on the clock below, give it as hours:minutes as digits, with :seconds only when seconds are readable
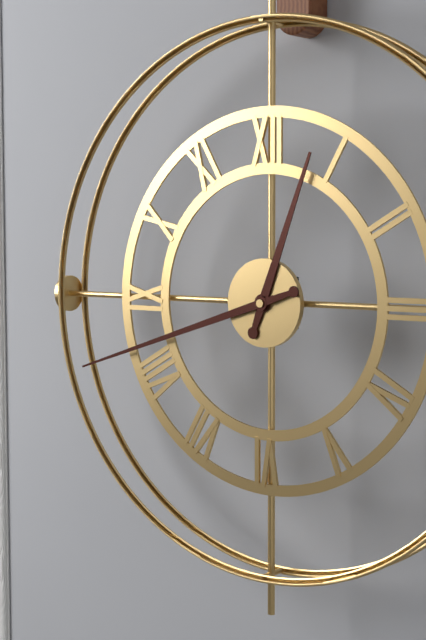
12:42
